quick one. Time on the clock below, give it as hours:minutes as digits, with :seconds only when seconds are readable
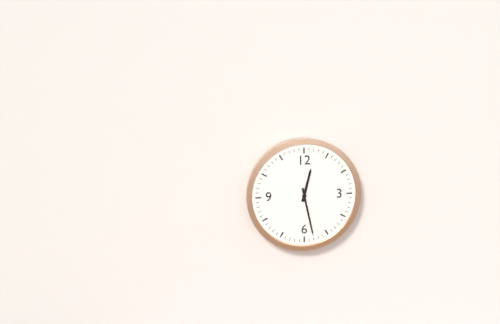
12:28
